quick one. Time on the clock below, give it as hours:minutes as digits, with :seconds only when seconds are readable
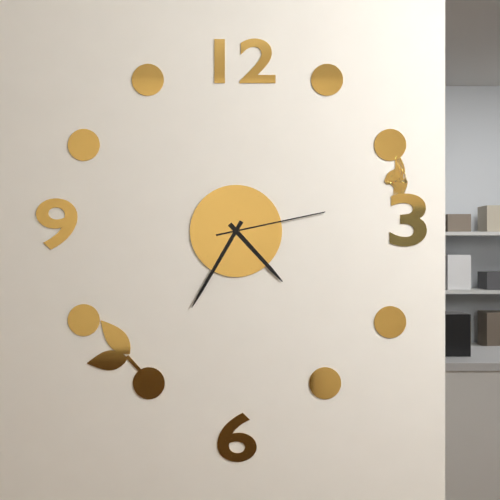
4:35:13
